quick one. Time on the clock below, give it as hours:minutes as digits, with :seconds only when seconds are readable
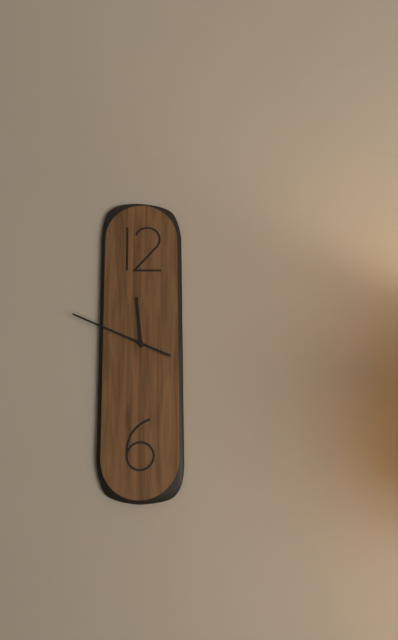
11:49
